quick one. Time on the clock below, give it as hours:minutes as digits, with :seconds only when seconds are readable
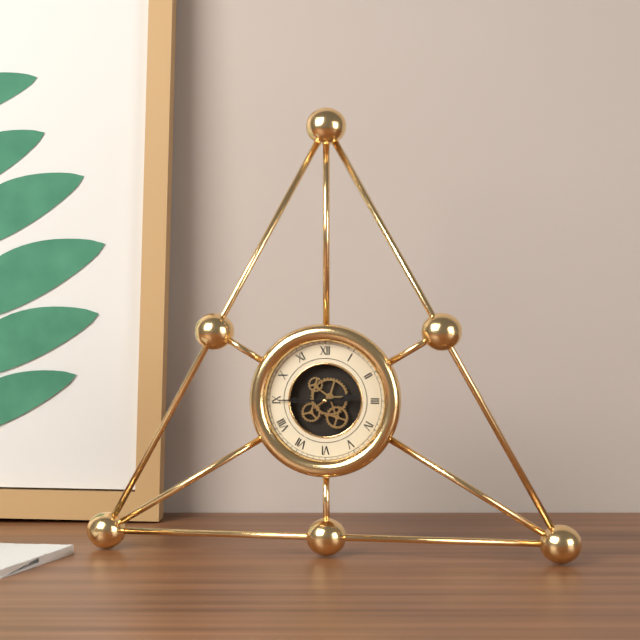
2:45
